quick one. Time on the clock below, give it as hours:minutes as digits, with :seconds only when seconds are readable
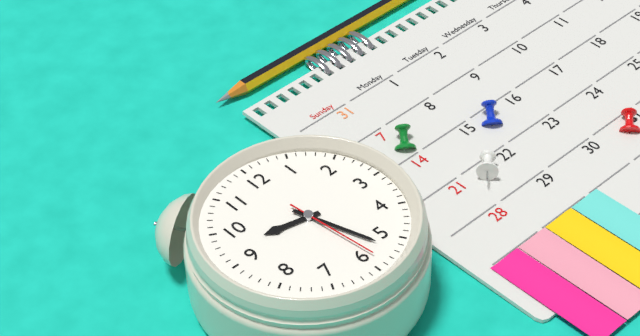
9:27:29
